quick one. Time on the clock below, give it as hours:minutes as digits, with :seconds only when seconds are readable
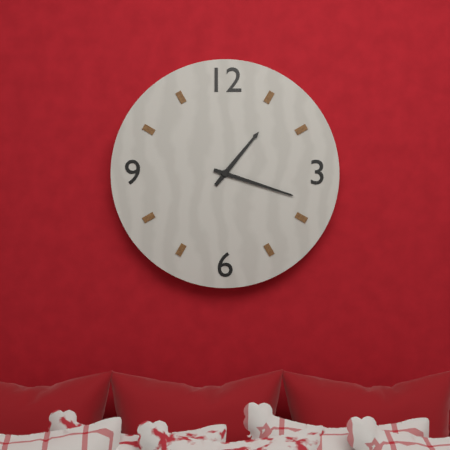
1:18
